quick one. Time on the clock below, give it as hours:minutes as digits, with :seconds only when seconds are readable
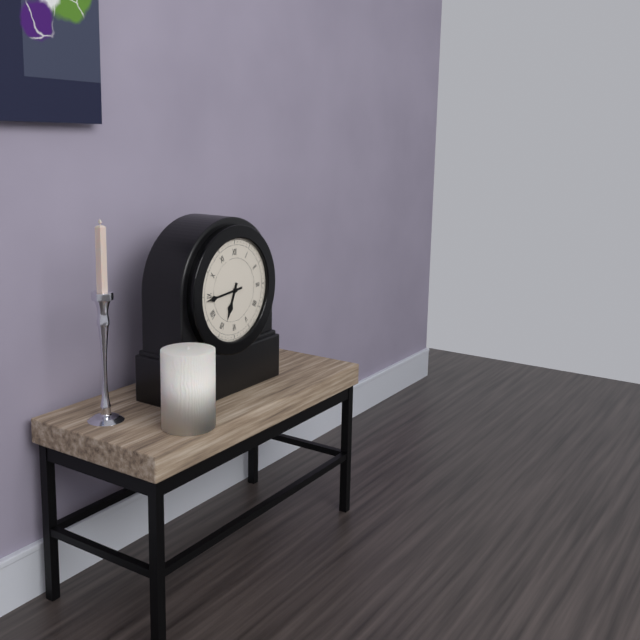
6:44
